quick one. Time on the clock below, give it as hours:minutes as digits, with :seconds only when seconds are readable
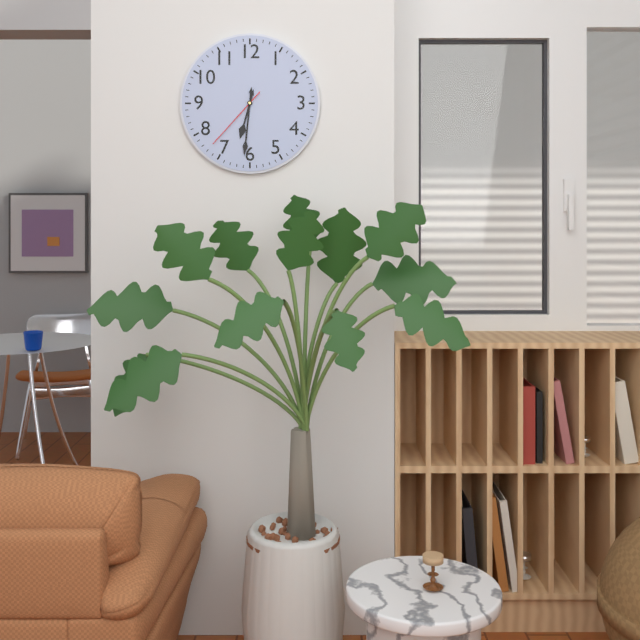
6:31:37
